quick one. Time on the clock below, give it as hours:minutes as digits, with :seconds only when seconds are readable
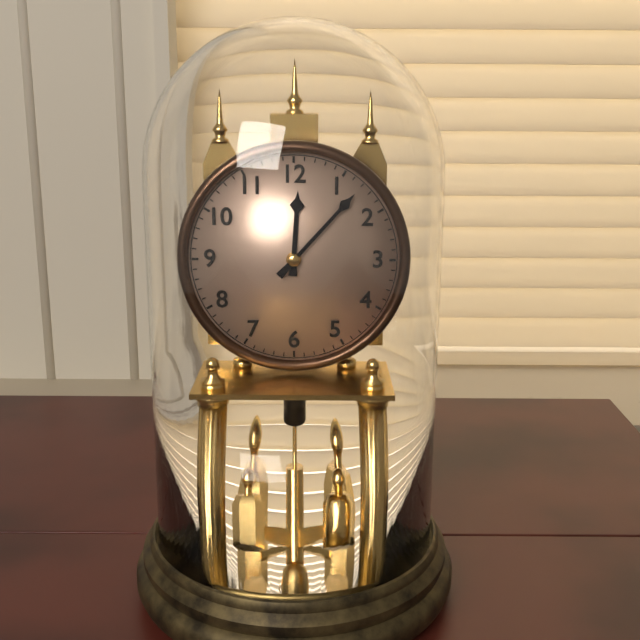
12:07
